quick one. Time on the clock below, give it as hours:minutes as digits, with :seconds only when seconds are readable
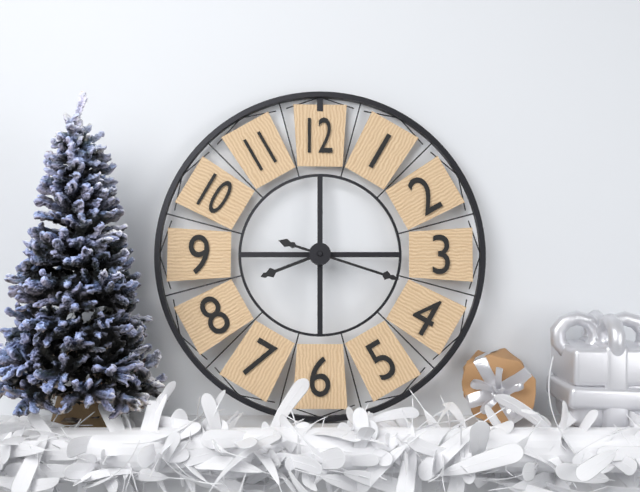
8:18
